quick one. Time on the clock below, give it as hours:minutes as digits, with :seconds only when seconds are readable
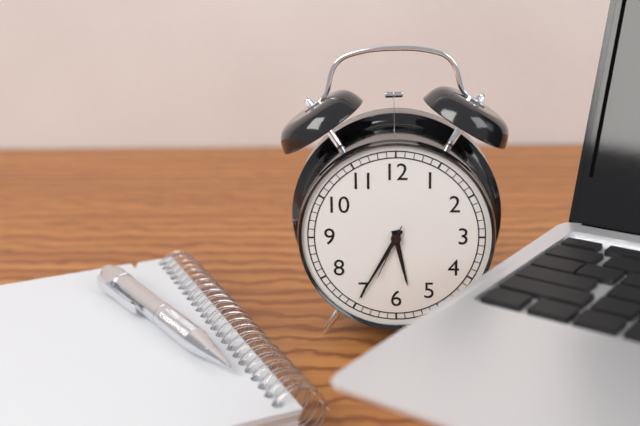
5:35:34
